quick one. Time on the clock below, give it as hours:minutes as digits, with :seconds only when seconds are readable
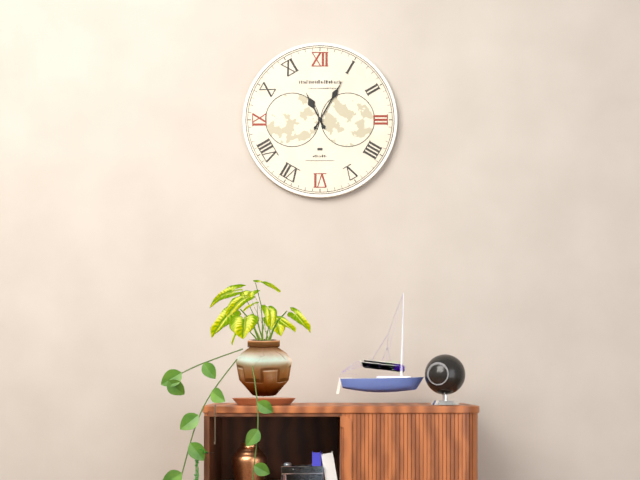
11:05
